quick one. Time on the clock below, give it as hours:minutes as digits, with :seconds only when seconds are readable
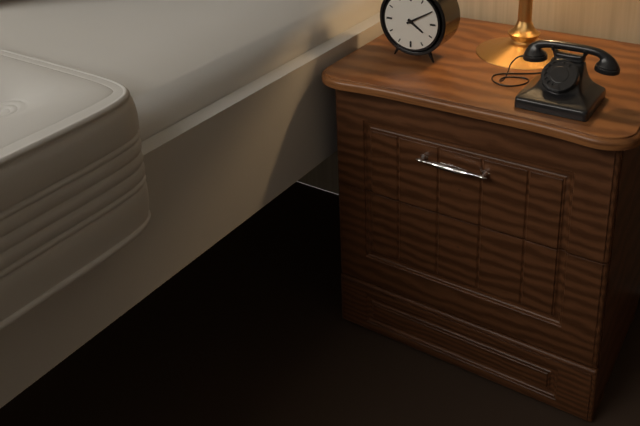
4:10
